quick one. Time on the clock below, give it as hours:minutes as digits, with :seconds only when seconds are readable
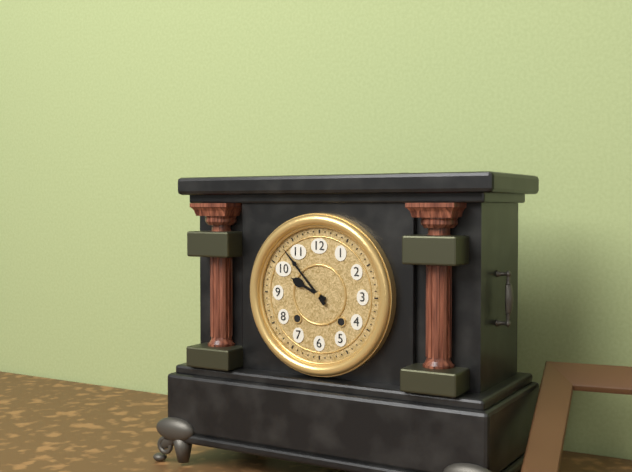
9:53
